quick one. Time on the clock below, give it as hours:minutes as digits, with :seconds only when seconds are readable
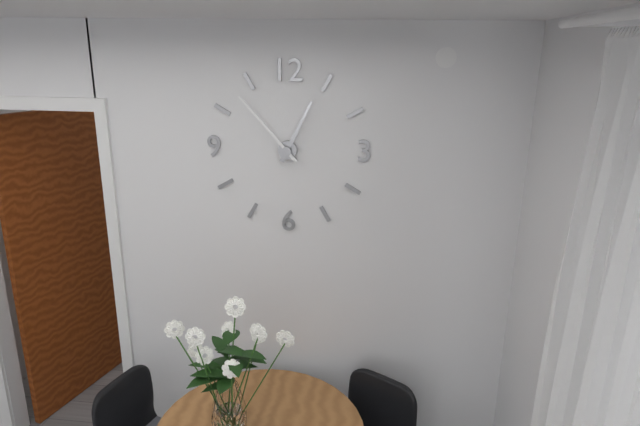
12:53
